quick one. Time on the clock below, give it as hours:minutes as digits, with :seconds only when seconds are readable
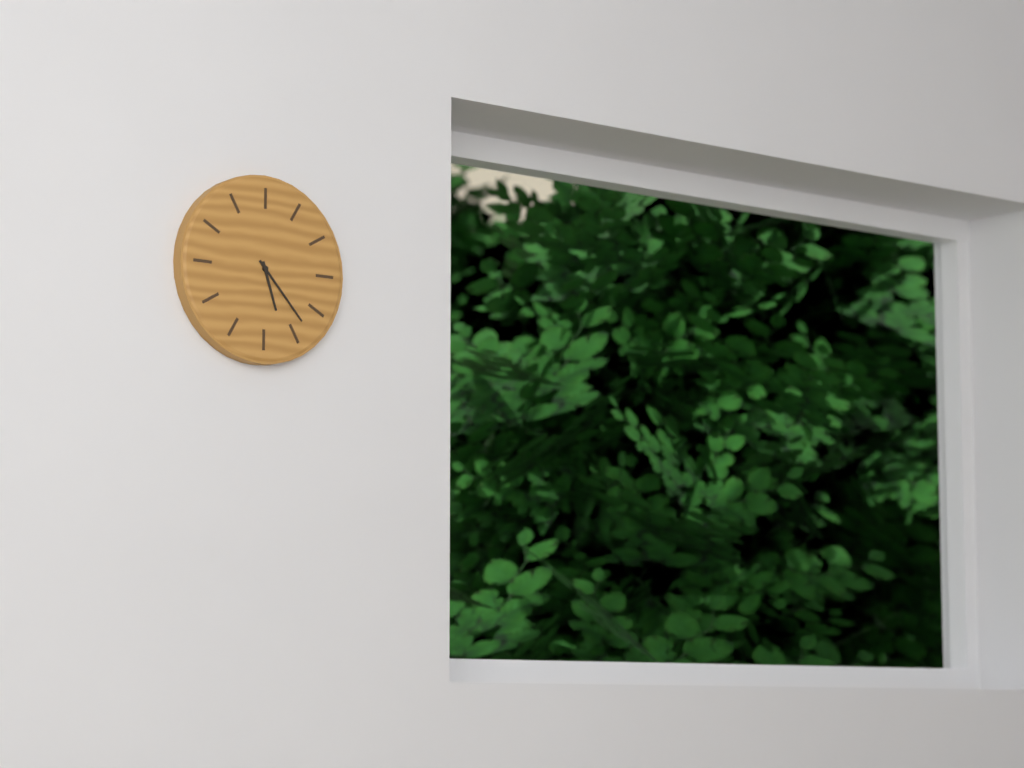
5:23
